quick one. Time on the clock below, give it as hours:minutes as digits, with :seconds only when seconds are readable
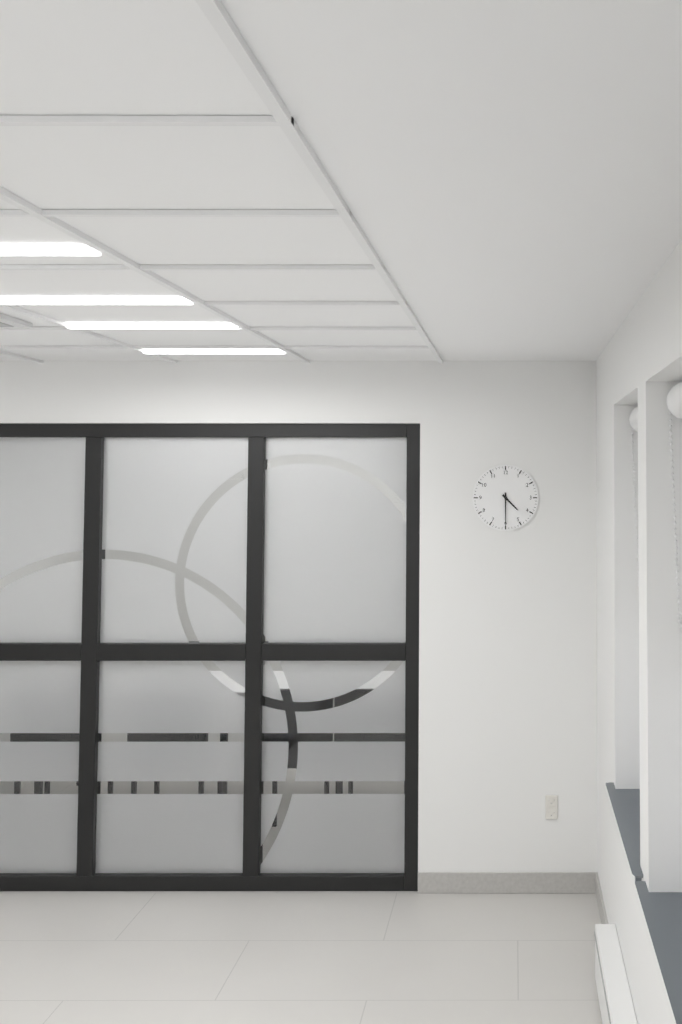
4:30
